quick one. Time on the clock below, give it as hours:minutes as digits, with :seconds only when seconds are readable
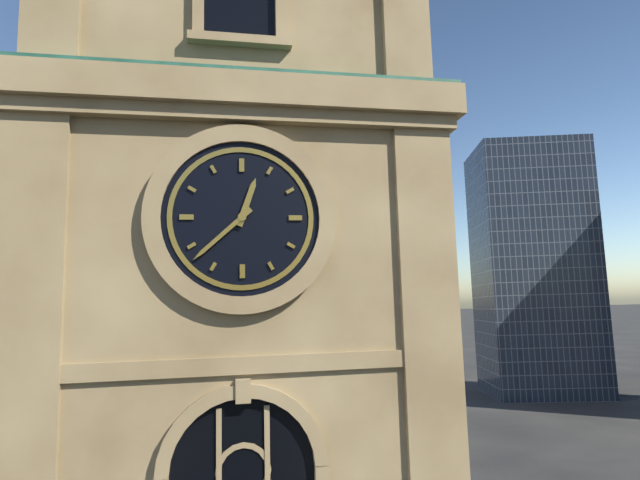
12:38
